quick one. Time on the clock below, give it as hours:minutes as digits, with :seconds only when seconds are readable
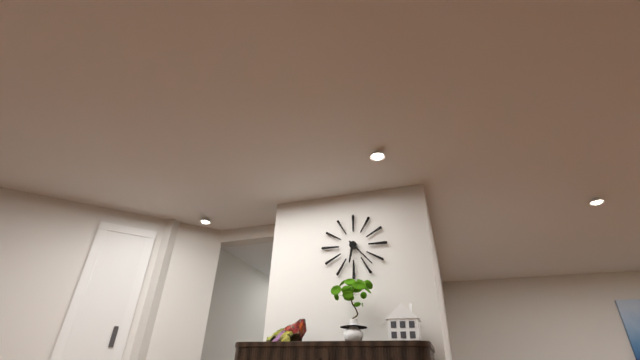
6:23
